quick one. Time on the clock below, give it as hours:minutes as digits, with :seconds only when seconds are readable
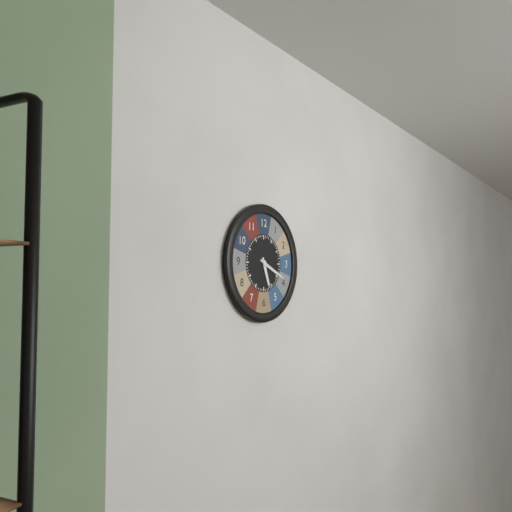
5:19
